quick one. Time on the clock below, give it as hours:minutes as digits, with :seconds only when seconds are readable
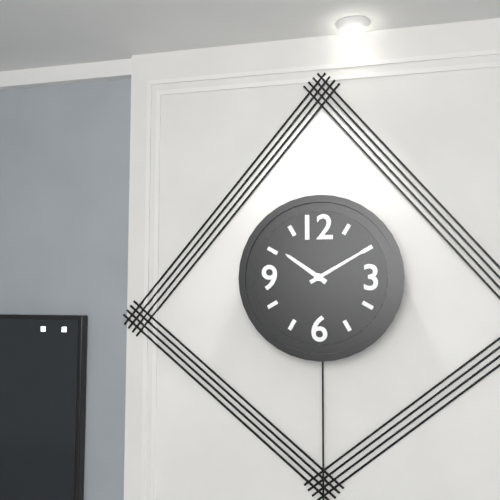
10:10
